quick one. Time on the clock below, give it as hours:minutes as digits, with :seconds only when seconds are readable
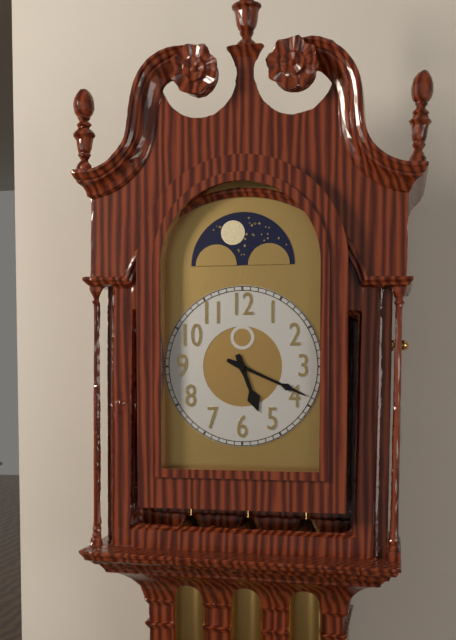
5:19
